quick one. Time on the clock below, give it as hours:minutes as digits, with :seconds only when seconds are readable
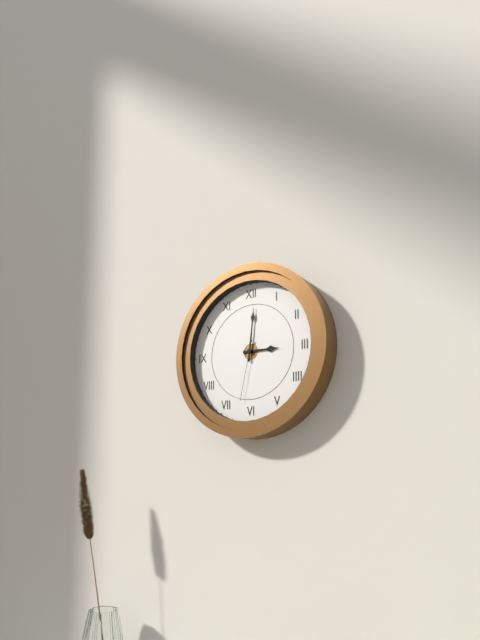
3:01:32
